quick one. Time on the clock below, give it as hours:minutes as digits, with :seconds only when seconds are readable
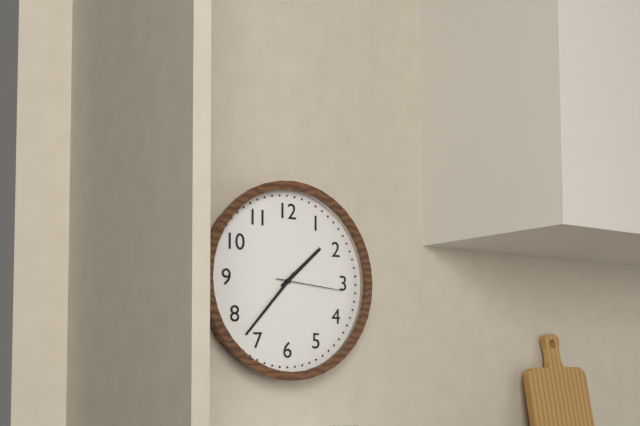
1:37:16
